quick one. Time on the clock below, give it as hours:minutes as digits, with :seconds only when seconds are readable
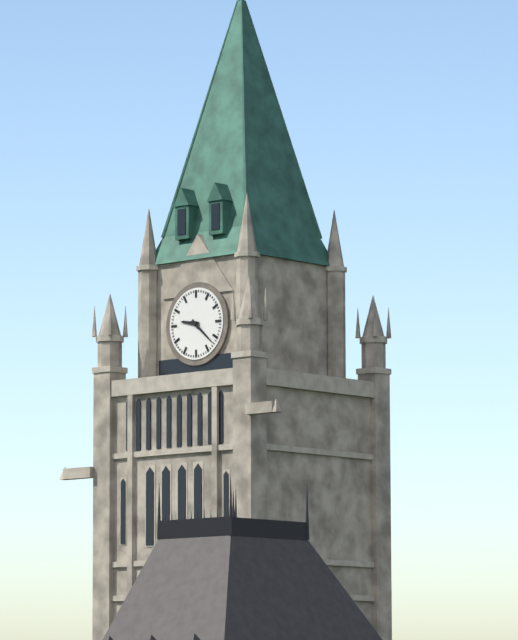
9:22
